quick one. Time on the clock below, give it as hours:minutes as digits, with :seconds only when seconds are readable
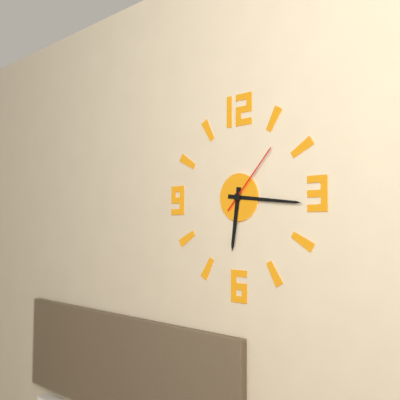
6:16:07
